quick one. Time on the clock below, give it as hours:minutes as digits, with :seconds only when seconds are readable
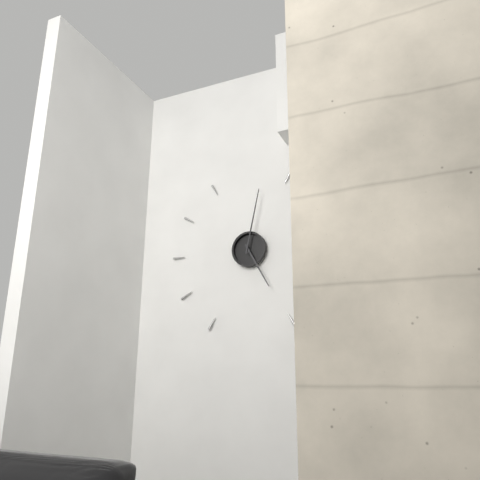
5:02
